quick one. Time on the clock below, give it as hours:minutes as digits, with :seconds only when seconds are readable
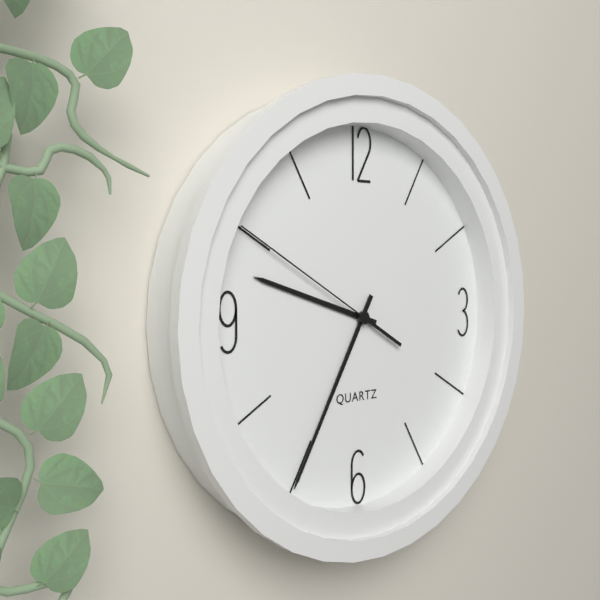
9:35:50
